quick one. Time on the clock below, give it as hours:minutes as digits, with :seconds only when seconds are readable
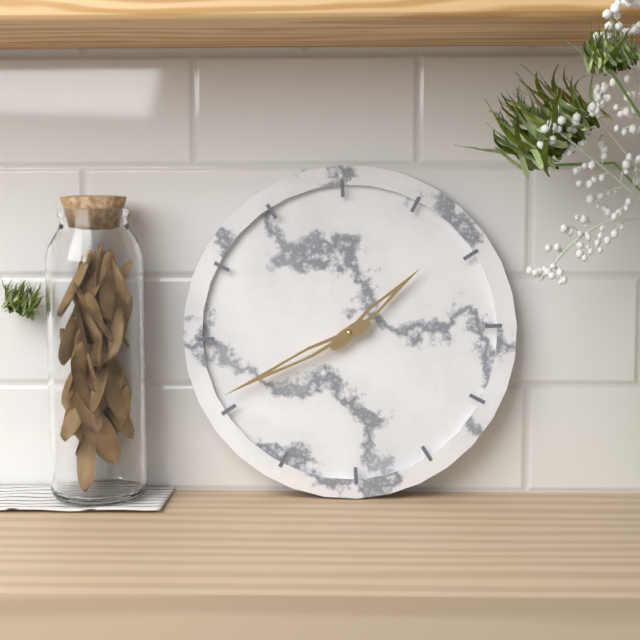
1:41
